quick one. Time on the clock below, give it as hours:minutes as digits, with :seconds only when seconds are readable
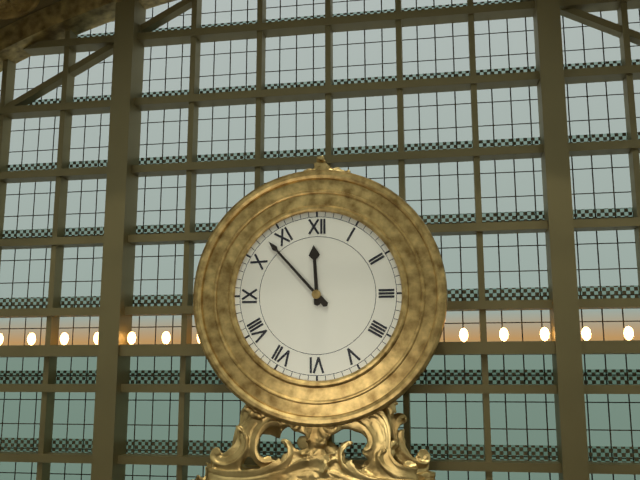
11:53
